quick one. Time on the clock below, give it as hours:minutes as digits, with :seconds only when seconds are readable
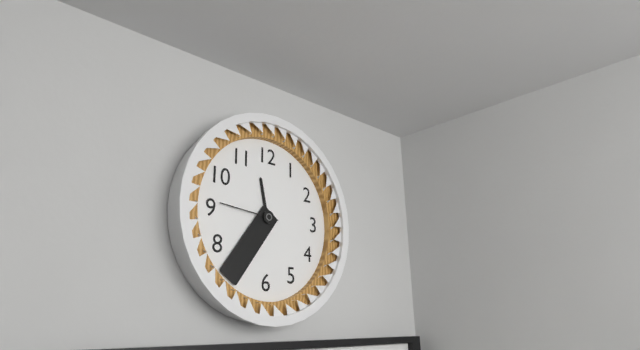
11:36:46
